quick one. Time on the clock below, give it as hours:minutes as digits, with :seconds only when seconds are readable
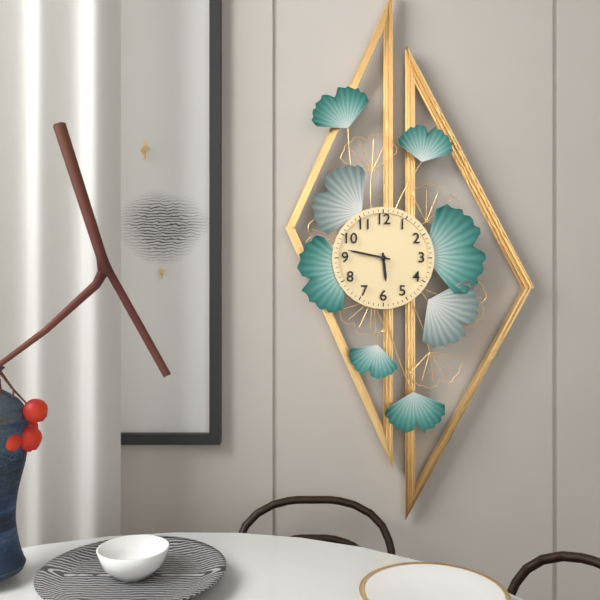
5:47
